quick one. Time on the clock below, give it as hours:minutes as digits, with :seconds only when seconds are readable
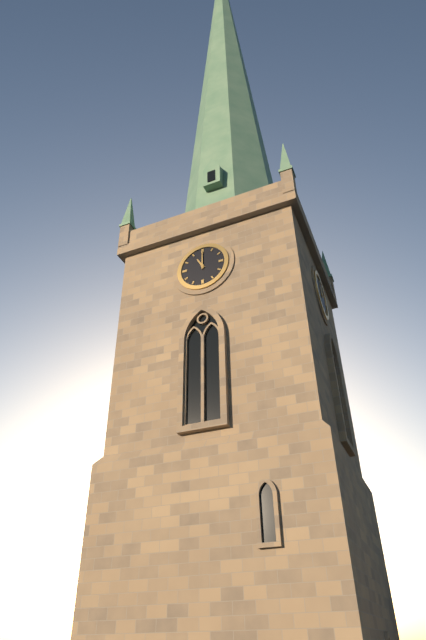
11:00
